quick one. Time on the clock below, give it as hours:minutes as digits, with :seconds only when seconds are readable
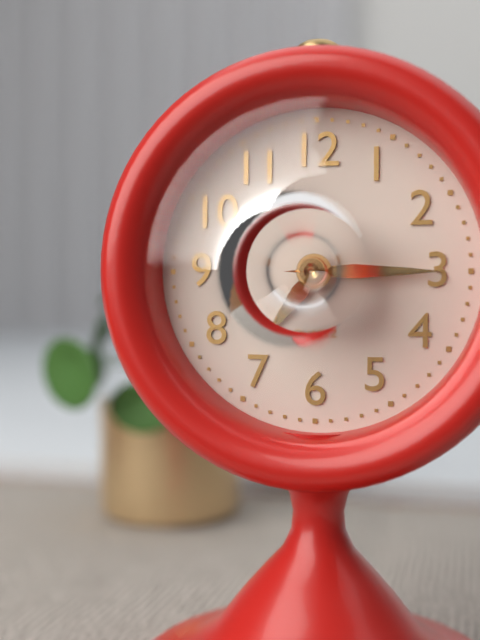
7:15:15
